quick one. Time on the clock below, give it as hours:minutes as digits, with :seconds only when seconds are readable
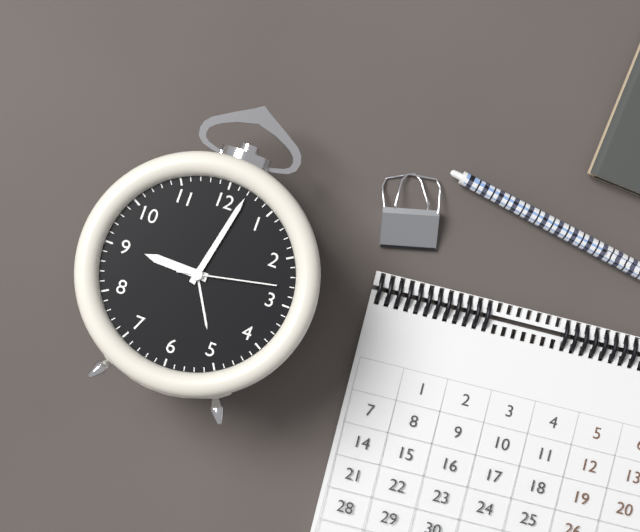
9:02:13
